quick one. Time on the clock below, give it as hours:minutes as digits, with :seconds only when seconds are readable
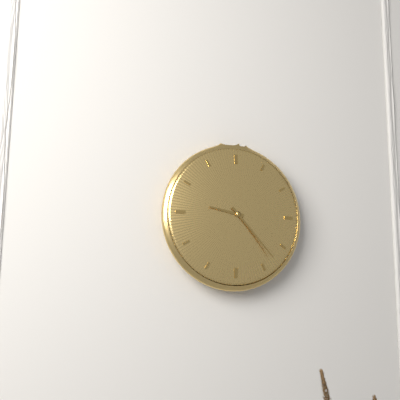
9:23
